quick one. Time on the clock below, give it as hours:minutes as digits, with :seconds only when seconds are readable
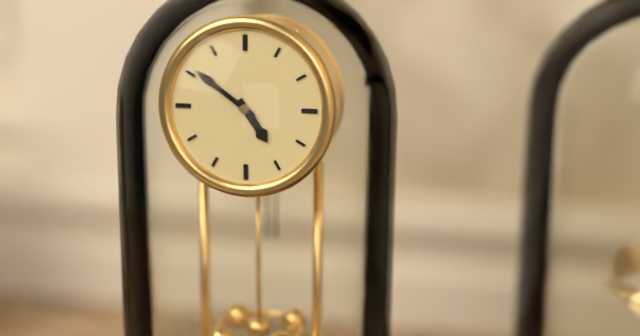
4:51
